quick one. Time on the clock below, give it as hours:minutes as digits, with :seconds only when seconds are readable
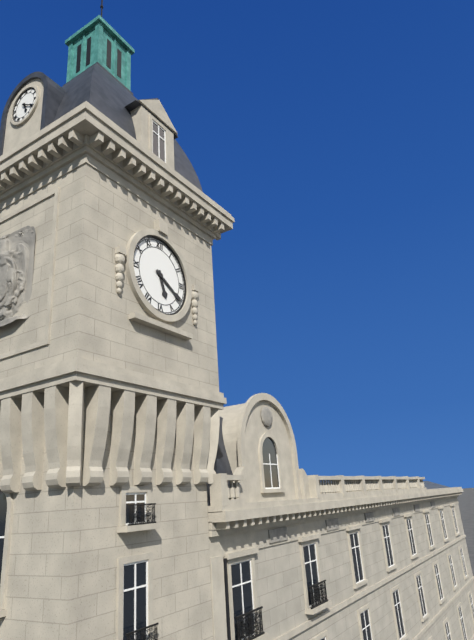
5:20
